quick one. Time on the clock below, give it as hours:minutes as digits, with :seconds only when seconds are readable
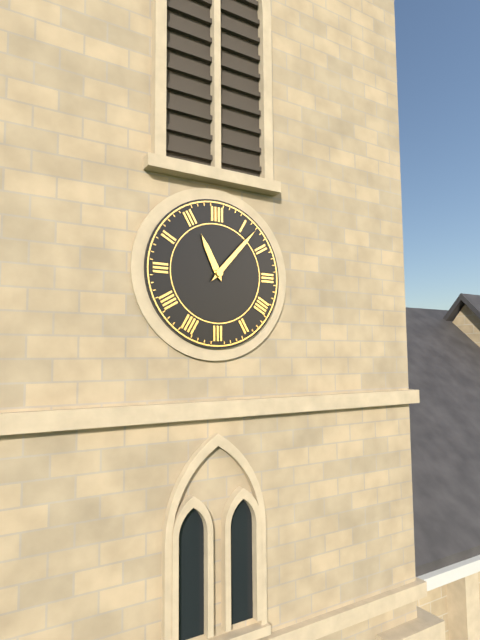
11:07
